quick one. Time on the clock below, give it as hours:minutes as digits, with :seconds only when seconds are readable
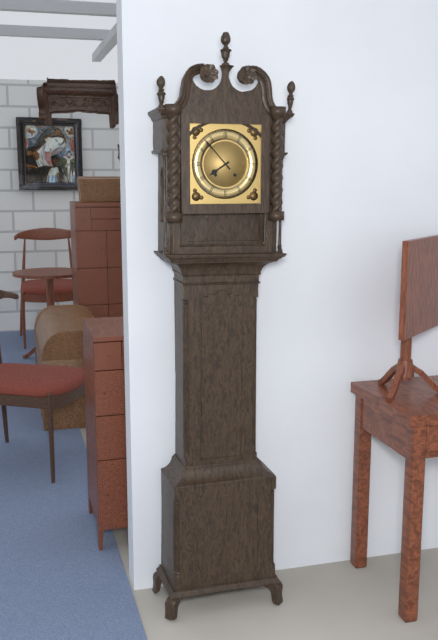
7:53
